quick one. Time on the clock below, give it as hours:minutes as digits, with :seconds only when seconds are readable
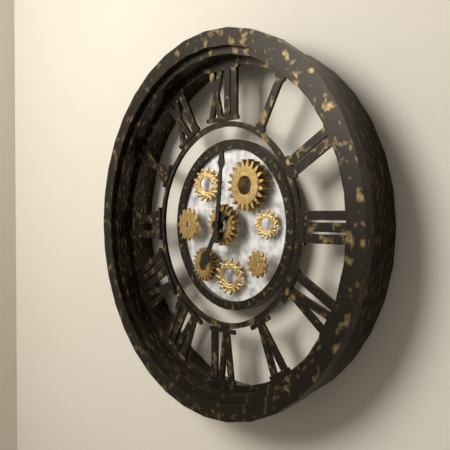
7:01
